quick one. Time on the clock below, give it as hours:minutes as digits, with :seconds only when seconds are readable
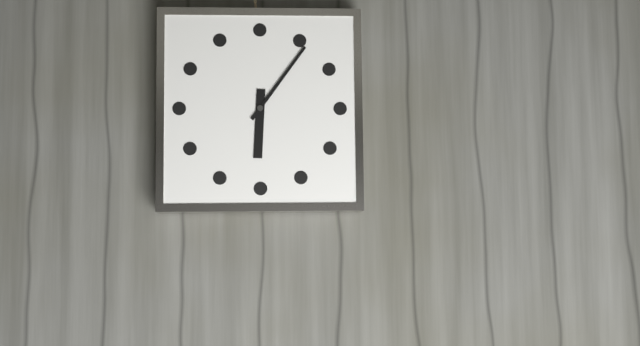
6:06
